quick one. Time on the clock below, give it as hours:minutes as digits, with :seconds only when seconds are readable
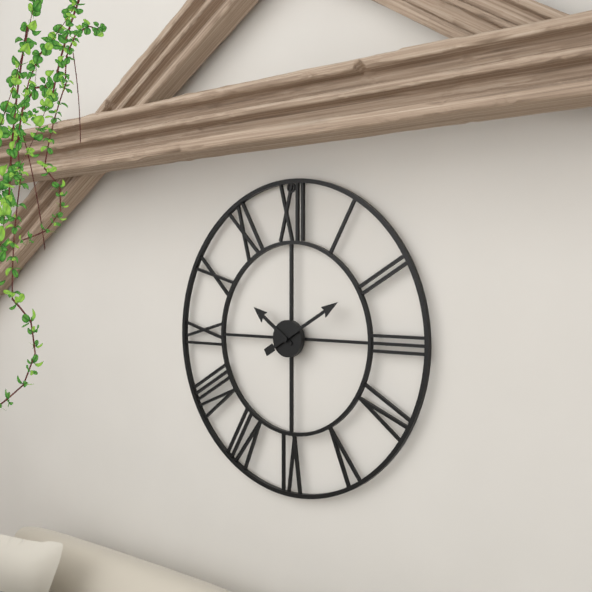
10:10
